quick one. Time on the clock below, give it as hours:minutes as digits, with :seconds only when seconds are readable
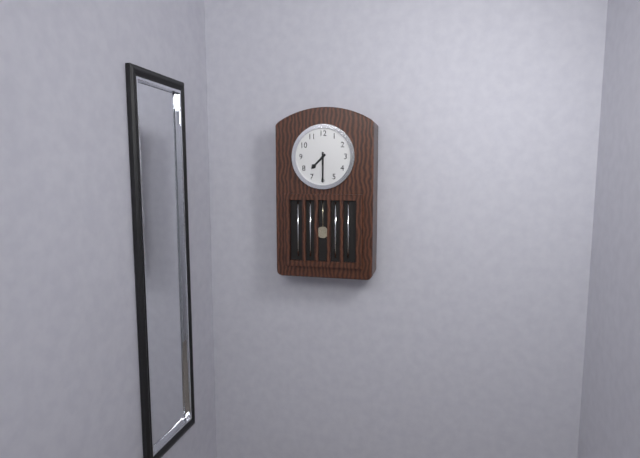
7:30
